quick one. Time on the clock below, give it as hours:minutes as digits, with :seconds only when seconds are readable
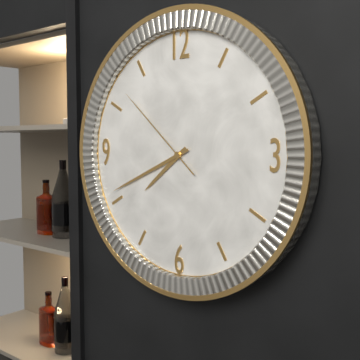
7:41:52
